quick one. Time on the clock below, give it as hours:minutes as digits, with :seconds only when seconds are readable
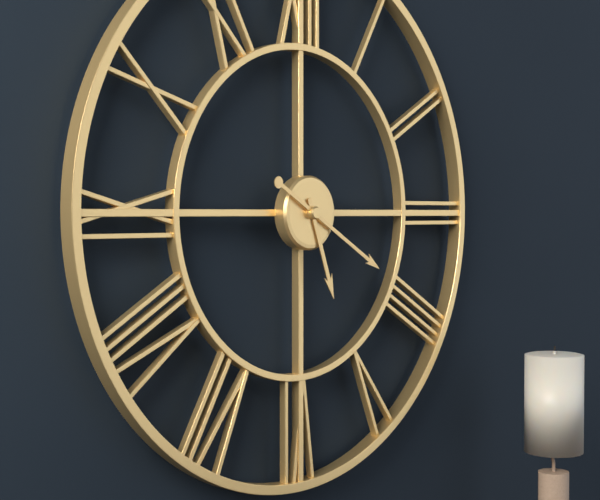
5:20
